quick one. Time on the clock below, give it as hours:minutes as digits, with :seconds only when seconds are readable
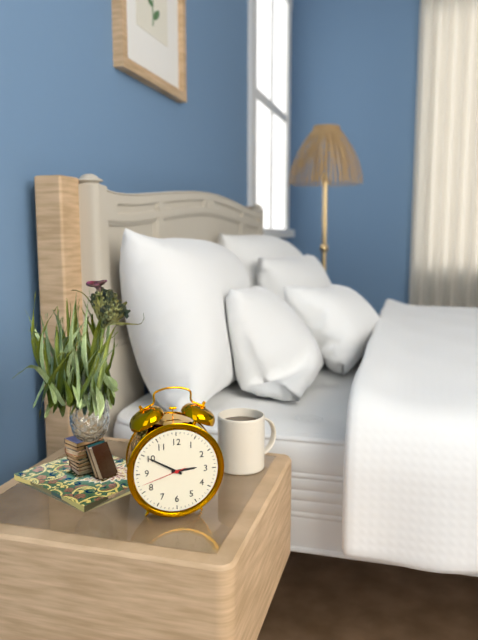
2:50
